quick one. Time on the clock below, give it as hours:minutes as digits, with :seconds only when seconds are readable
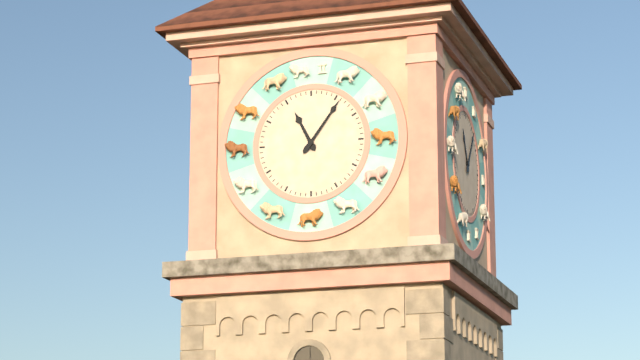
11:06
